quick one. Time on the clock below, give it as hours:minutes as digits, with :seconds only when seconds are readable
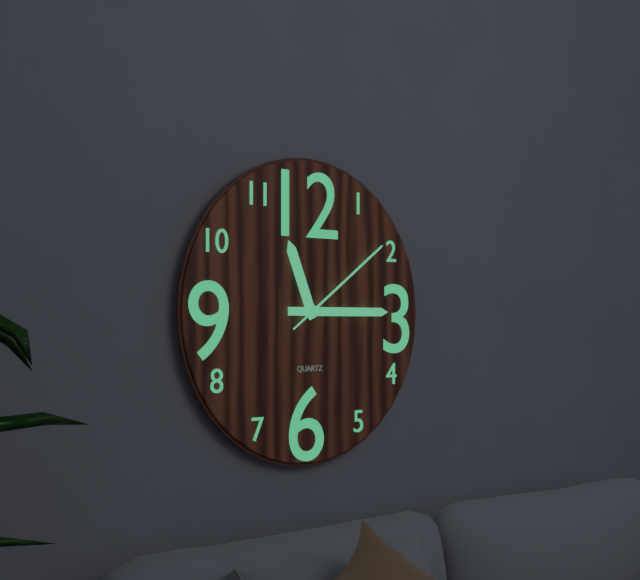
11:15:09
